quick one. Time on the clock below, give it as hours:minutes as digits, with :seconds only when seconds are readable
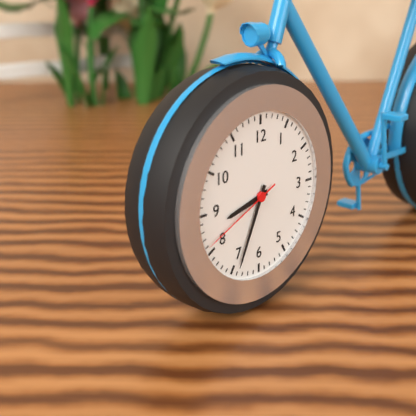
8:34:41
